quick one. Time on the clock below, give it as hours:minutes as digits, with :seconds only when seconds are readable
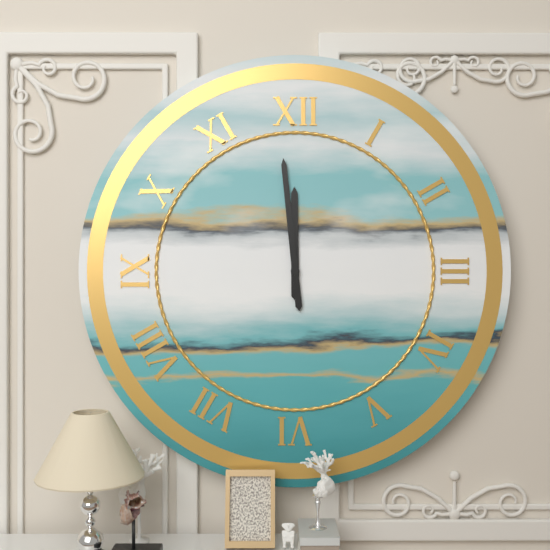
11:59
